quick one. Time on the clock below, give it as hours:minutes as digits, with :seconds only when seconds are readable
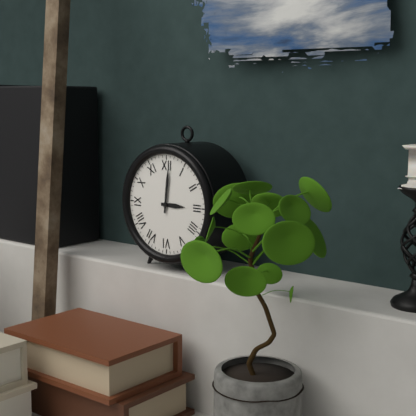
3:01
